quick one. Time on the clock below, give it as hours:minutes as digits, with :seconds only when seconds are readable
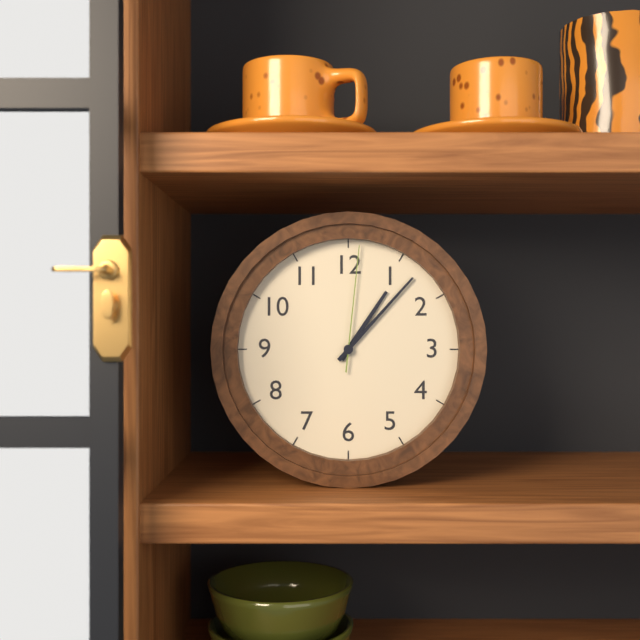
1:07:01
